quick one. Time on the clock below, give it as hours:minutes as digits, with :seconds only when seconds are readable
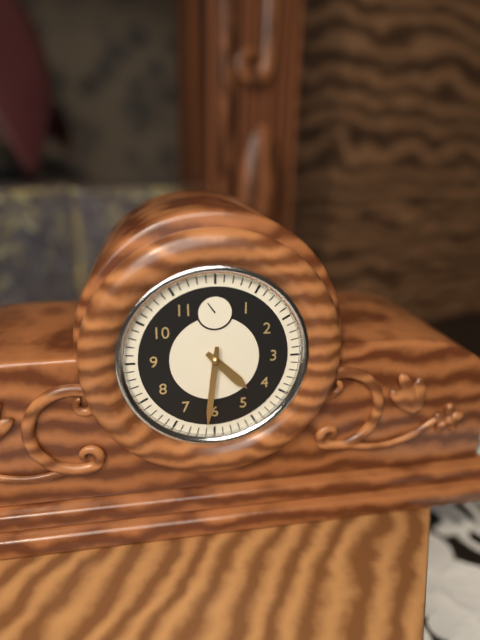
4:31
